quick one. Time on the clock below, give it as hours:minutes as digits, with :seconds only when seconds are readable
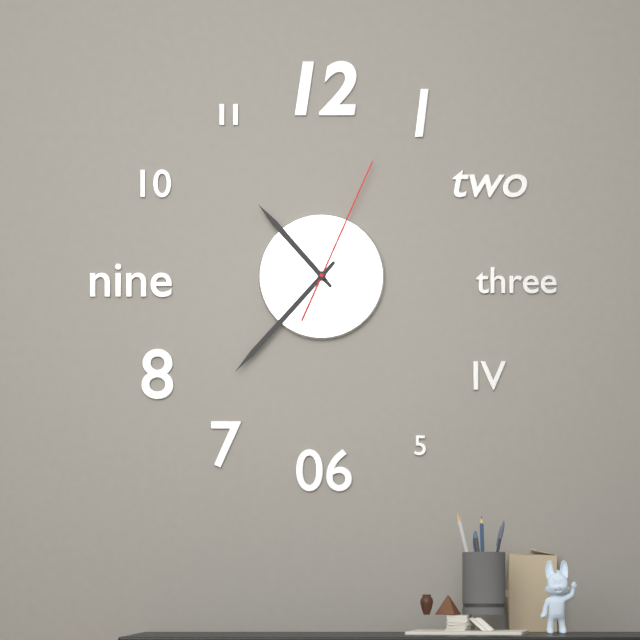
10:37:04
